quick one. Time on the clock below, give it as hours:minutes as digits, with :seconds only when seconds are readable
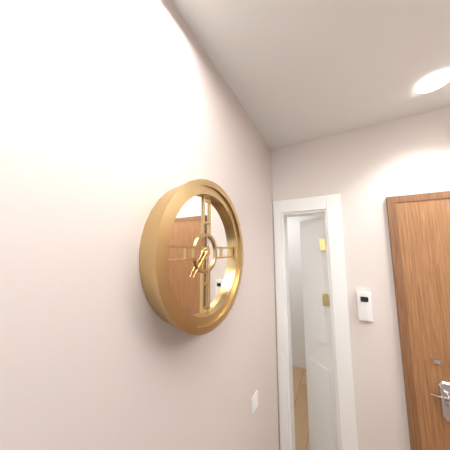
7:30
